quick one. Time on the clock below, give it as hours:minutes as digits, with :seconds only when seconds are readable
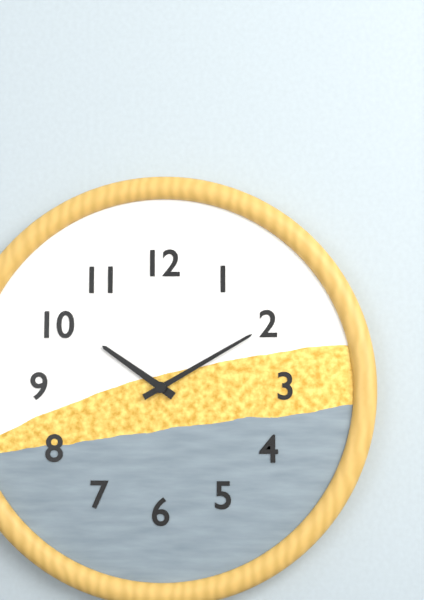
10:10
